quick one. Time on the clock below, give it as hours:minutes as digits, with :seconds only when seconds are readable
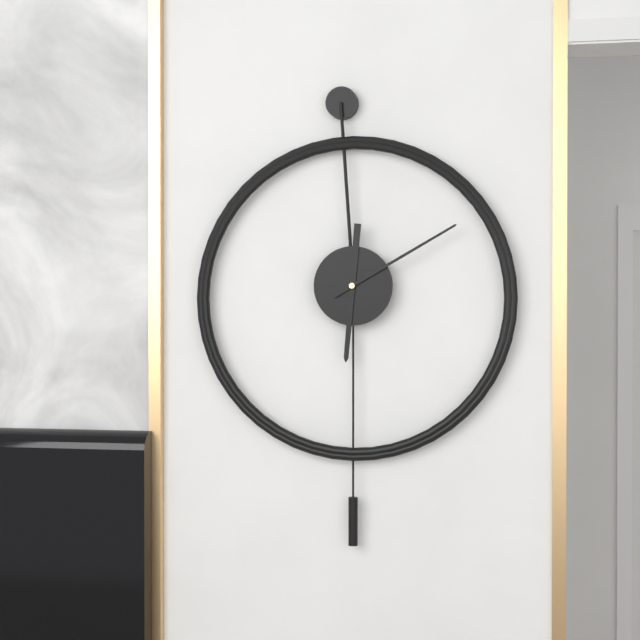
6:10
